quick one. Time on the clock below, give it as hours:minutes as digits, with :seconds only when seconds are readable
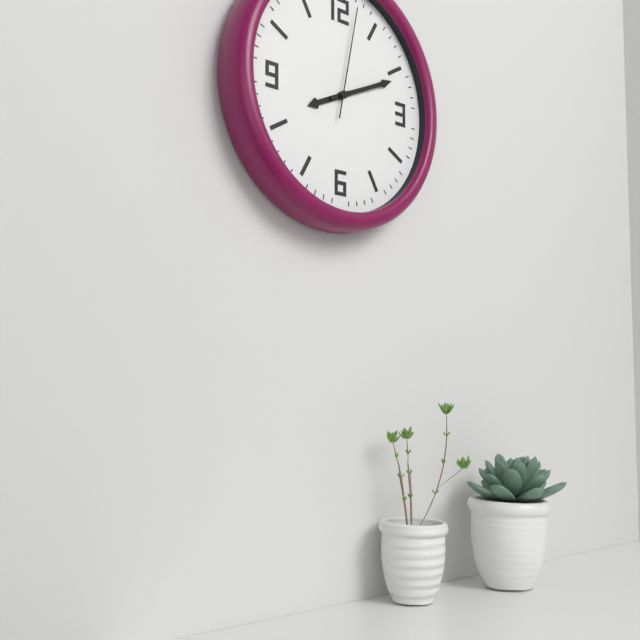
8:11:02
